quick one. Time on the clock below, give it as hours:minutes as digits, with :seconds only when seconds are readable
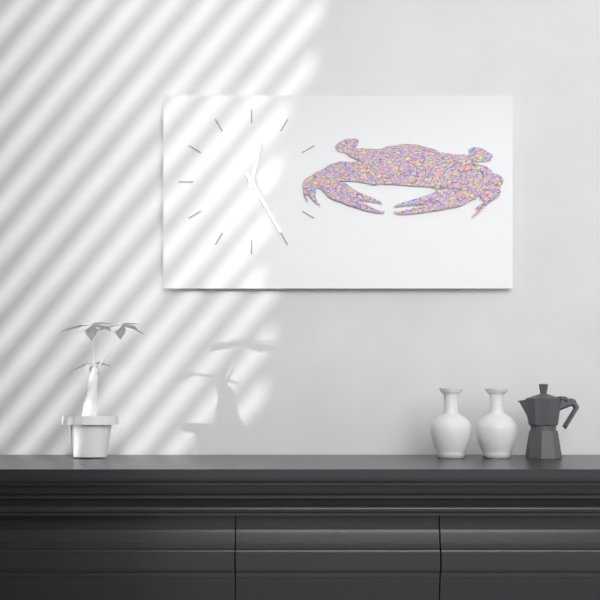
12:25
